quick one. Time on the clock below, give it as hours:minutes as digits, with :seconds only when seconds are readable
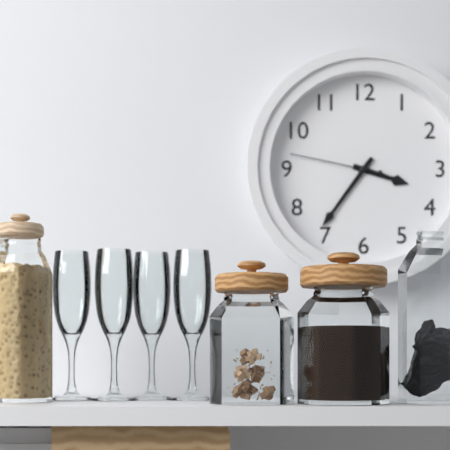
3:36:47
